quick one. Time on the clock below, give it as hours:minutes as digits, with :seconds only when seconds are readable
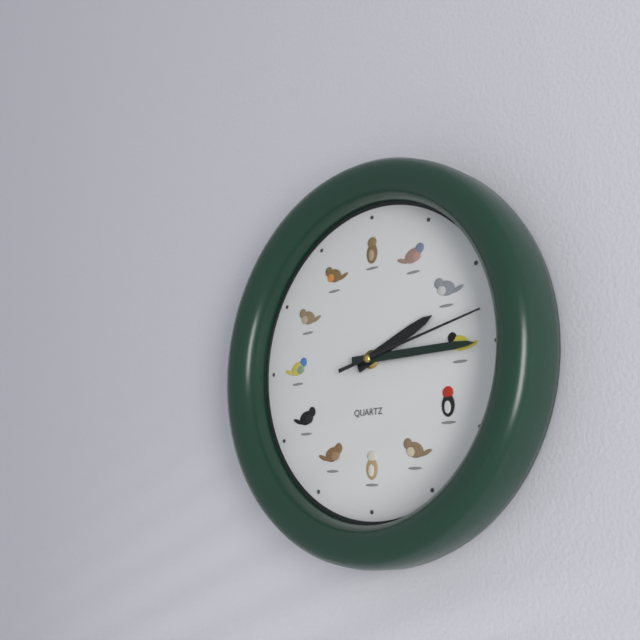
2:15:13
